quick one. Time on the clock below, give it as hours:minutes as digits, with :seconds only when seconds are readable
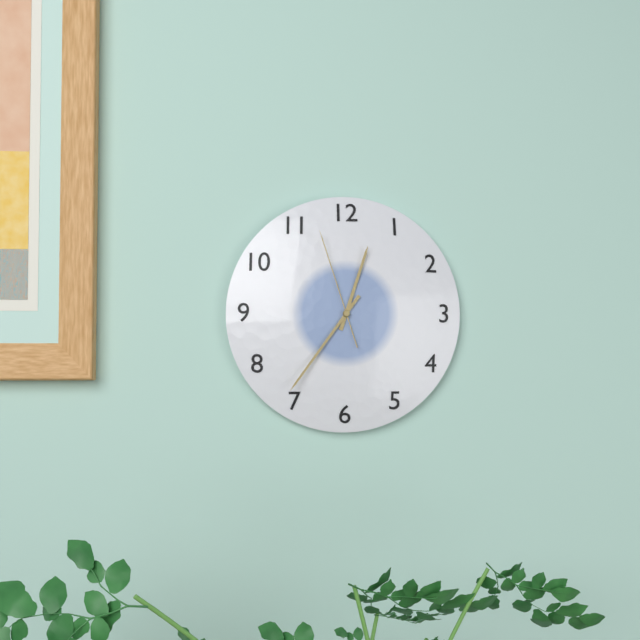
12:36:57
